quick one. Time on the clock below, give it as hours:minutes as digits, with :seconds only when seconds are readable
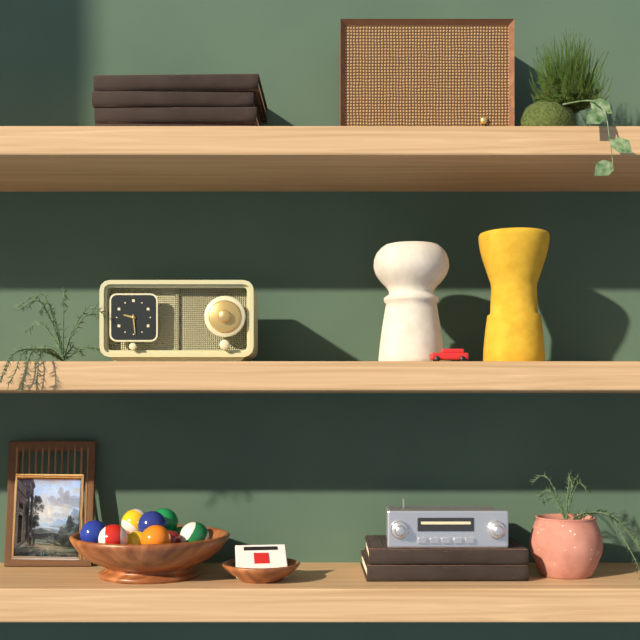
9:29
